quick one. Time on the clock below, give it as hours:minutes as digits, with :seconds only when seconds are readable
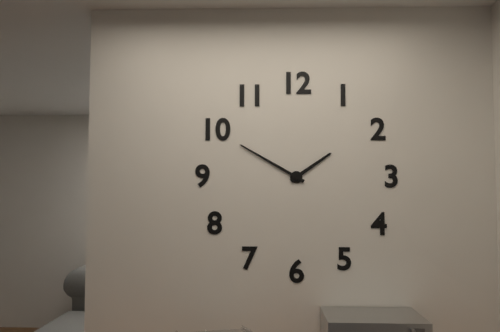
1:50
